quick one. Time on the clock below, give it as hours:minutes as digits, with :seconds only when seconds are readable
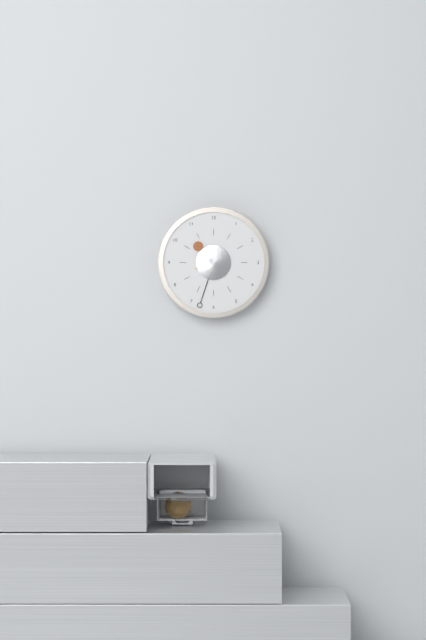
10:33
